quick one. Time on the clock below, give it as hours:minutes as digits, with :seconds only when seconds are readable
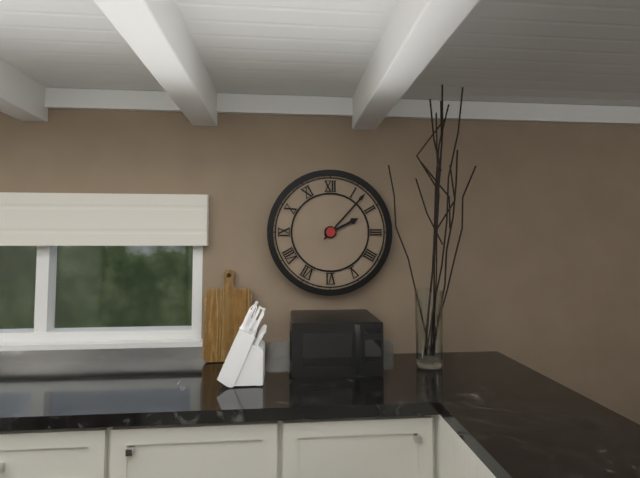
2:07
